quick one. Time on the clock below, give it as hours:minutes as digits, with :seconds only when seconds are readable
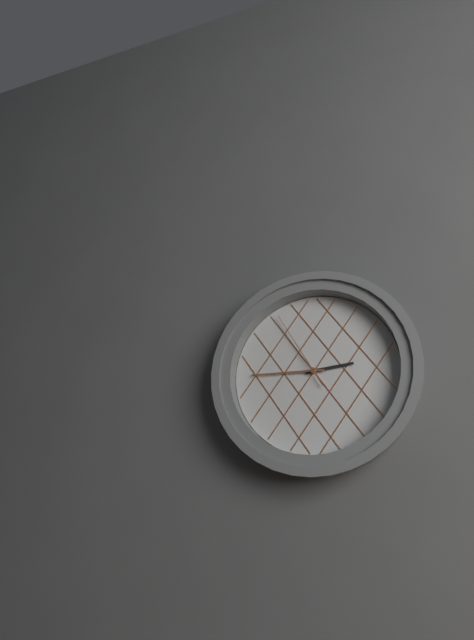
2:45:55
